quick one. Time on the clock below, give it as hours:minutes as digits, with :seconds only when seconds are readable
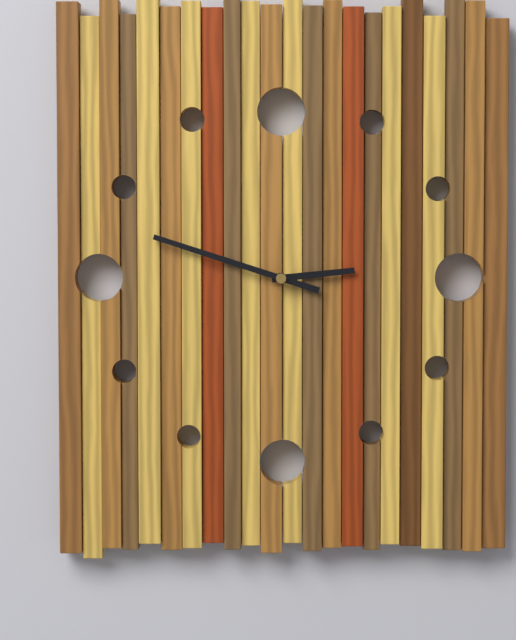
2:48
